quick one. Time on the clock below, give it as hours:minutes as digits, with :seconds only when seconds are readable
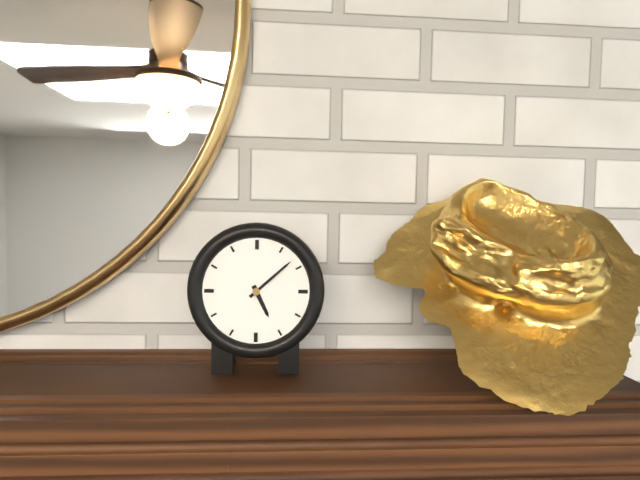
5:08
